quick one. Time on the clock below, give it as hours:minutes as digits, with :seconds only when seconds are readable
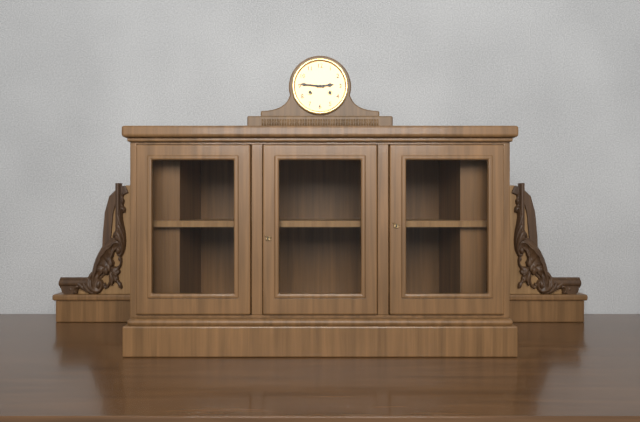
2:46
